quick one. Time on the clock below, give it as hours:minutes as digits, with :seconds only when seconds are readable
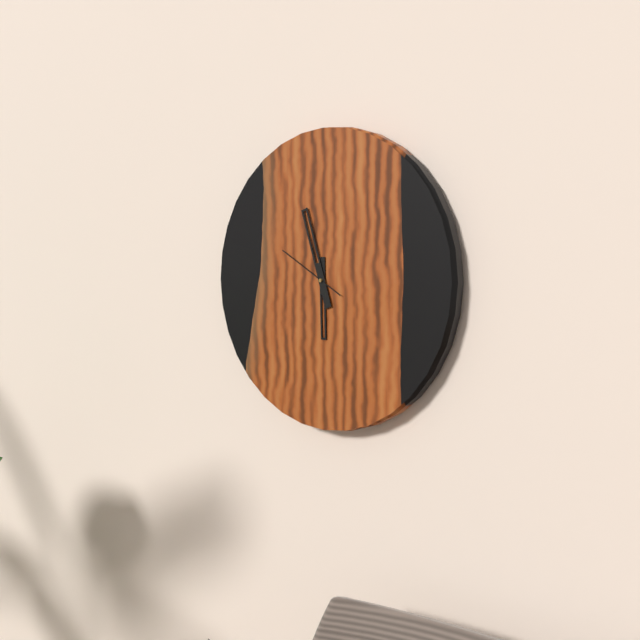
5:57:50
